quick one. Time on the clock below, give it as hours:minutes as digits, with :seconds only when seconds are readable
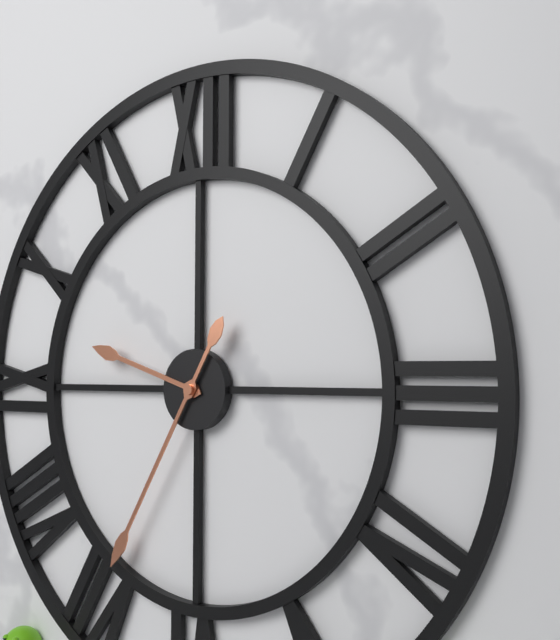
9:35
